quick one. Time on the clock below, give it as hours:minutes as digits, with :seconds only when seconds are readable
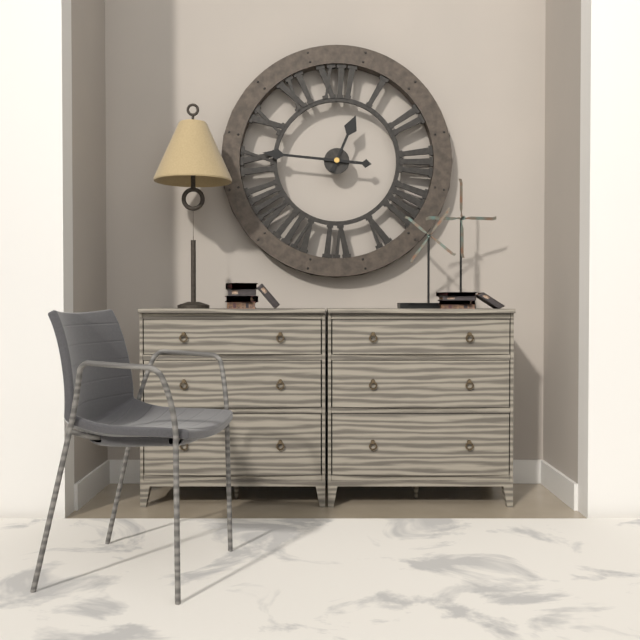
12:46
